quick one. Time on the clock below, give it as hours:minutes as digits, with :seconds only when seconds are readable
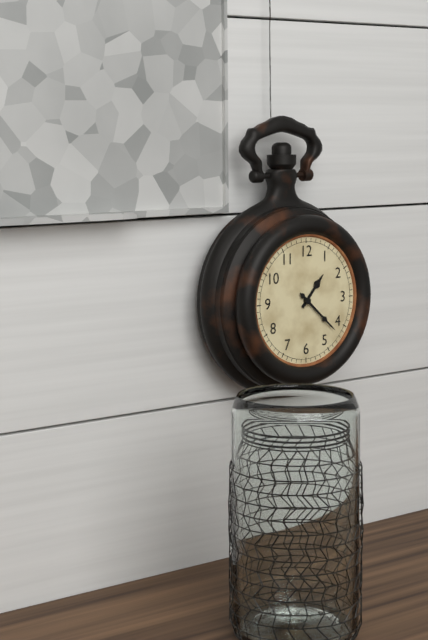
1:22
